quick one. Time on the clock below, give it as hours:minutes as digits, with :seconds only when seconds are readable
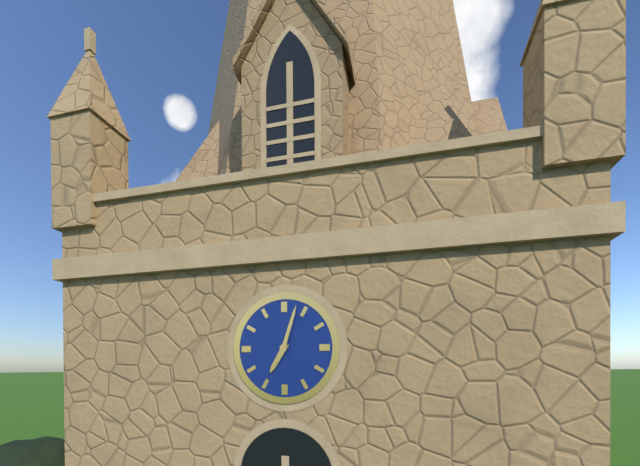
7:03
